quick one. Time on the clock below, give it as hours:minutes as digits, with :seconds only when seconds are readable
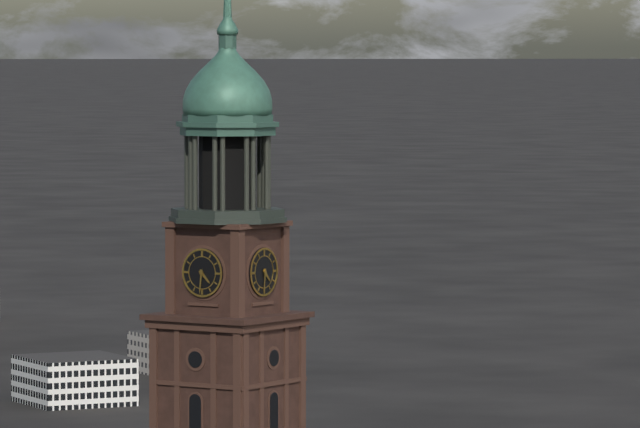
4:31
